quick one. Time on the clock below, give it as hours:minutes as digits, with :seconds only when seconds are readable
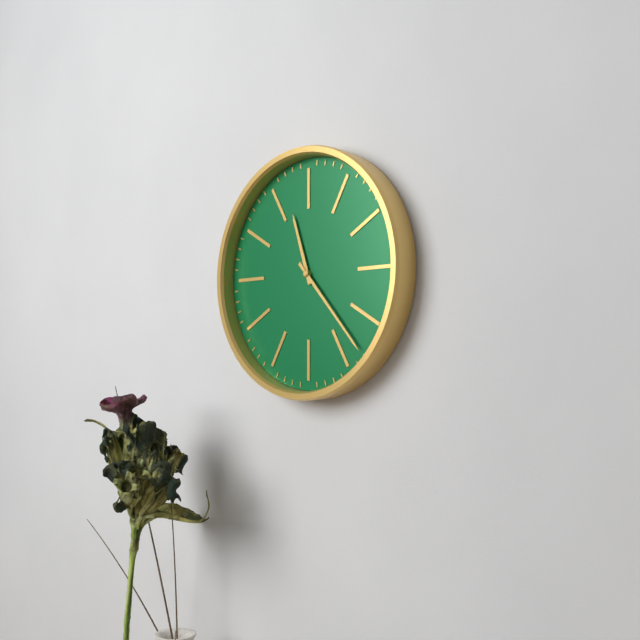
11:23
